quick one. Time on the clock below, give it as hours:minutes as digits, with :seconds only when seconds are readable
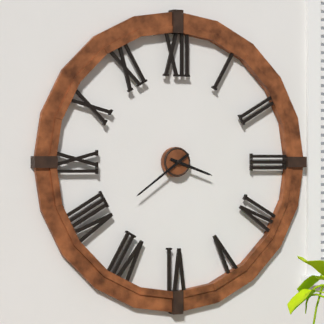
3:39
